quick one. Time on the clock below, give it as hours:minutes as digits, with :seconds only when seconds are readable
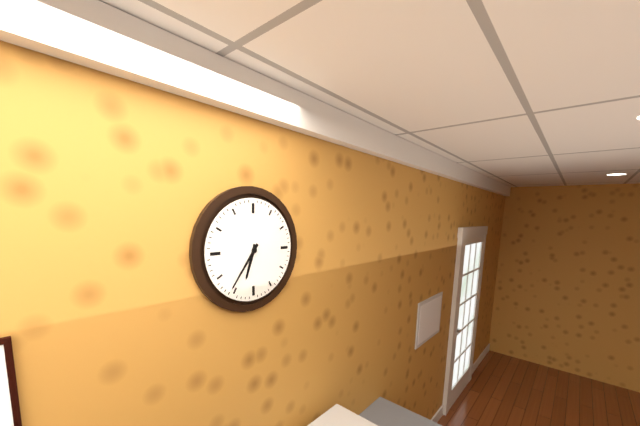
6:36
